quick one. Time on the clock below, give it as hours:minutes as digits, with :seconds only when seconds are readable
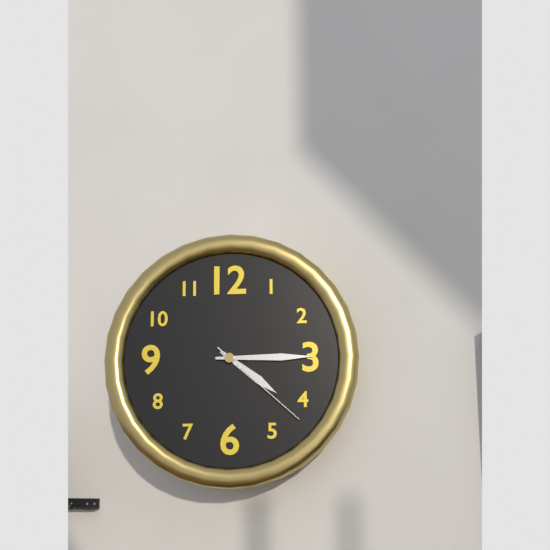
4:15:22
